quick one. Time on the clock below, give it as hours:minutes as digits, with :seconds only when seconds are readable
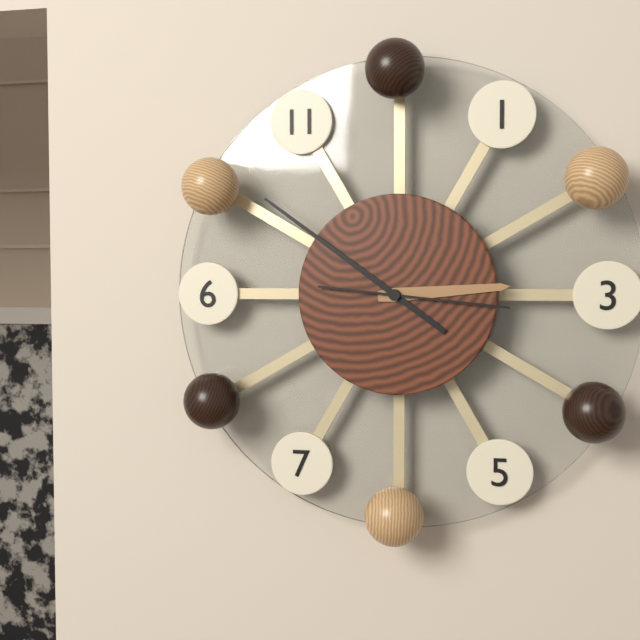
2:51:16
